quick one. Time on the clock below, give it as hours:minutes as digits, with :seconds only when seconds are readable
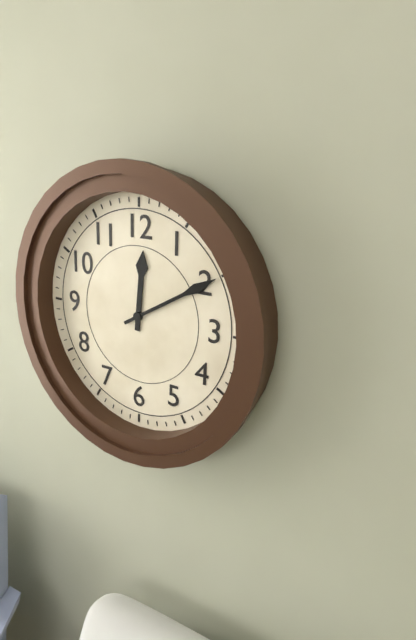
12:10
